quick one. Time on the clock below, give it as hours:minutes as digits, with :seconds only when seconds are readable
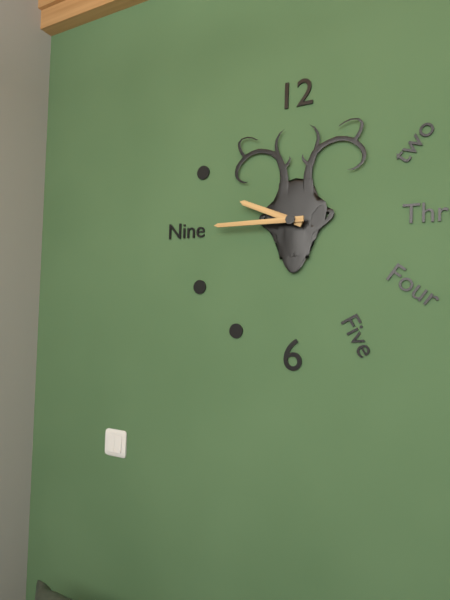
9:45
